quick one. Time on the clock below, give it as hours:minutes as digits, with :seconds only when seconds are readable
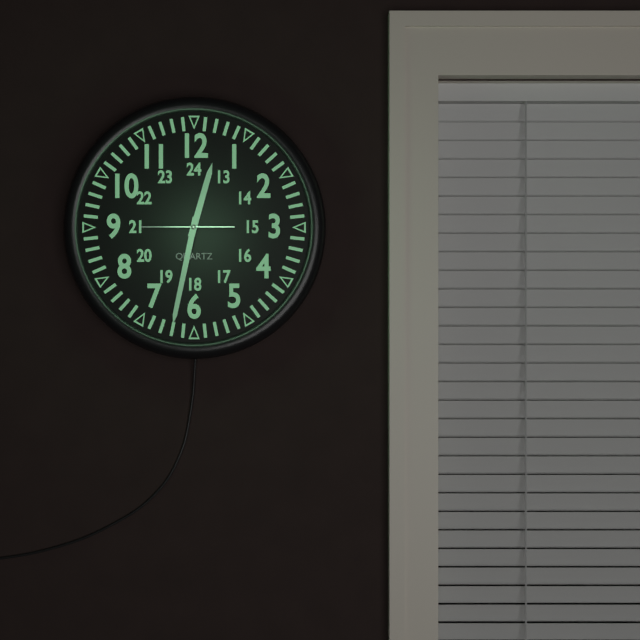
12:32:45
